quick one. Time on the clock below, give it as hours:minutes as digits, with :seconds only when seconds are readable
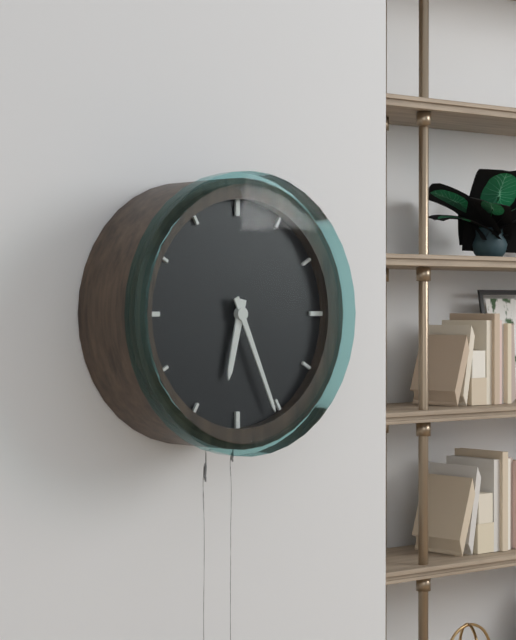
6:26
